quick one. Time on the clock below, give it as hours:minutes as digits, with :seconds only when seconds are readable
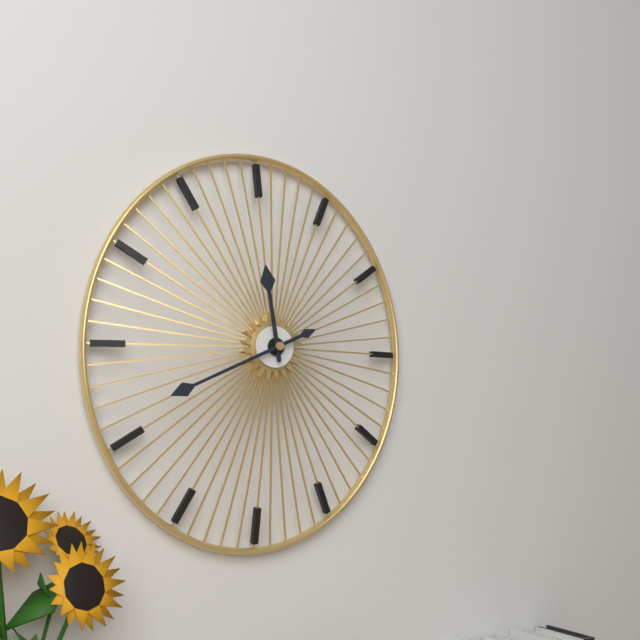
11:41
